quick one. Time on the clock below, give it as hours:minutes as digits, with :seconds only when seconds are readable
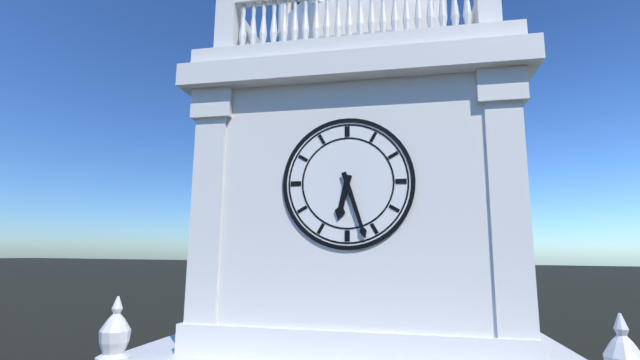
6:27
